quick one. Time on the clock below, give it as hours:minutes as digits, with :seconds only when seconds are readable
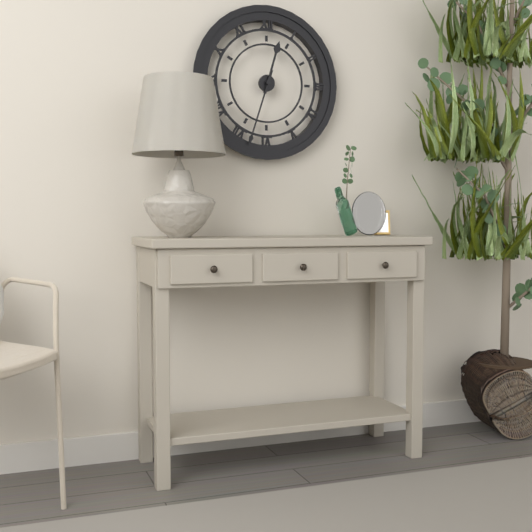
12:33
